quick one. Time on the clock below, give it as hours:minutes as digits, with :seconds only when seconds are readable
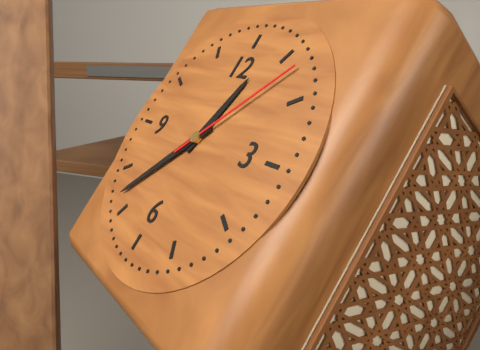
12:37:07
